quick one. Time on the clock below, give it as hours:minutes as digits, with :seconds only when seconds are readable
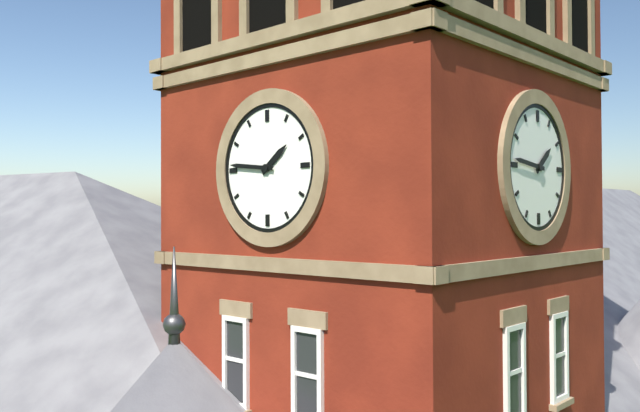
1:46
